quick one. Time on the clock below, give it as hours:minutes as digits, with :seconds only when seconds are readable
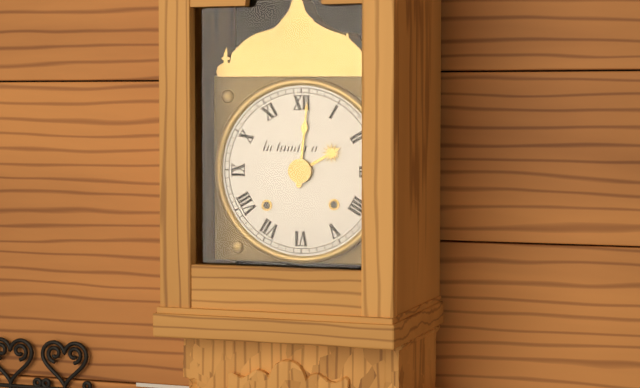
2:01
